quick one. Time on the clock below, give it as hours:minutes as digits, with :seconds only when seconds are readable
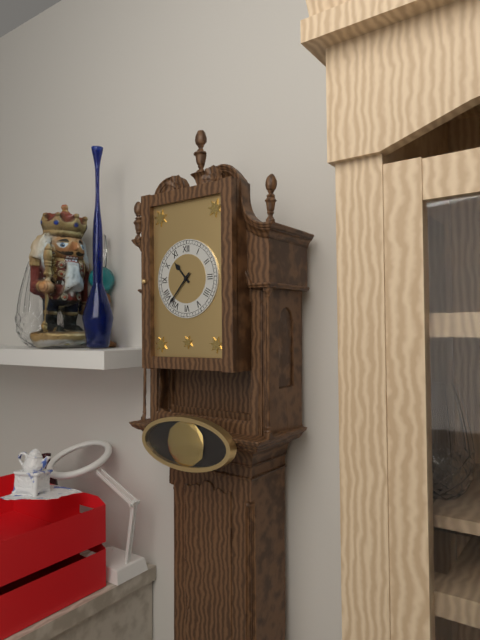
10:37
